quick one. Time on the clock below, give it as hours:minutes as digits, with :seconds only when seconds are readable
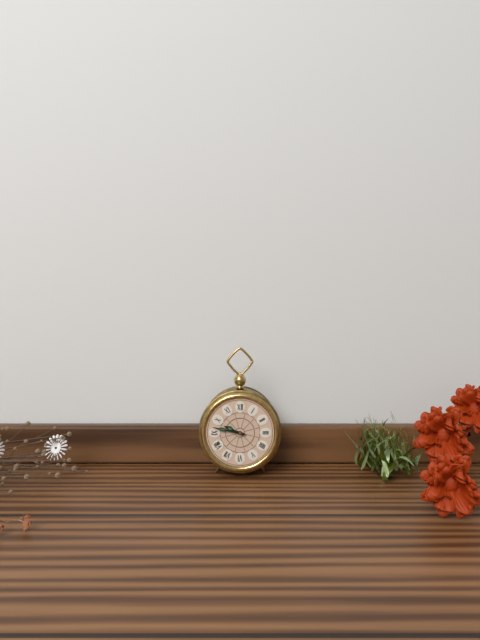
9:47
